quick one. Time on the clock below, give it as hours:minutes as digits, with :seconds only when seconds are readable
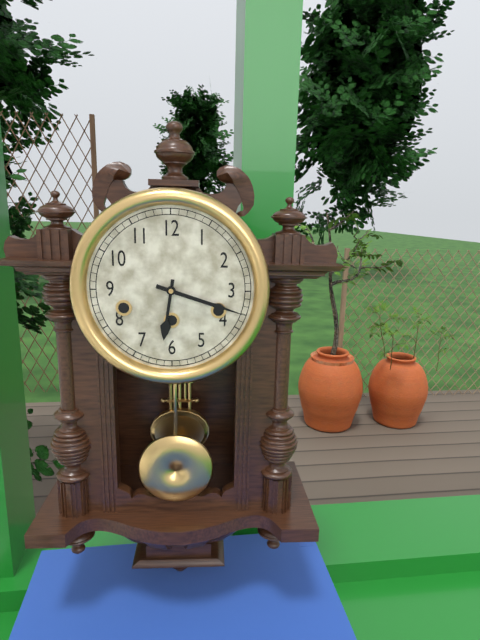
6:18
